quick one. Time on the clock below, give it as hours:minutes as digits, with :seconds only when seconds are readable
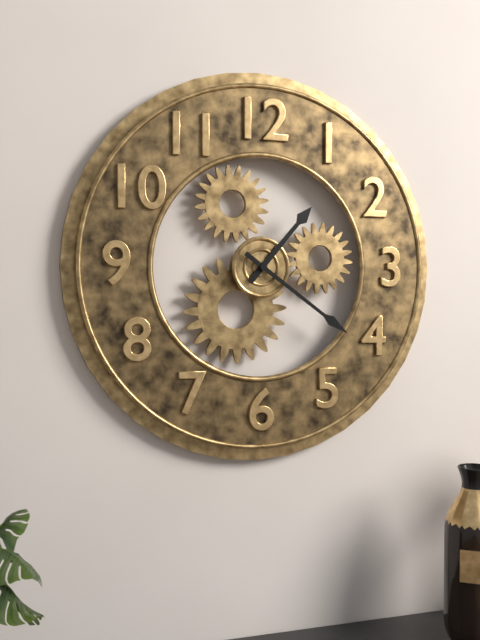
1:21
